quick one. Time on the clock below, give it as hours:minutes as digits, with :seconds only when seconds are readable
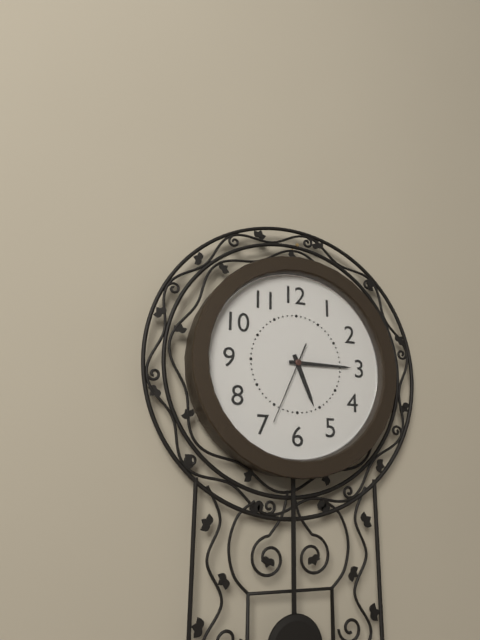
5:15:34
